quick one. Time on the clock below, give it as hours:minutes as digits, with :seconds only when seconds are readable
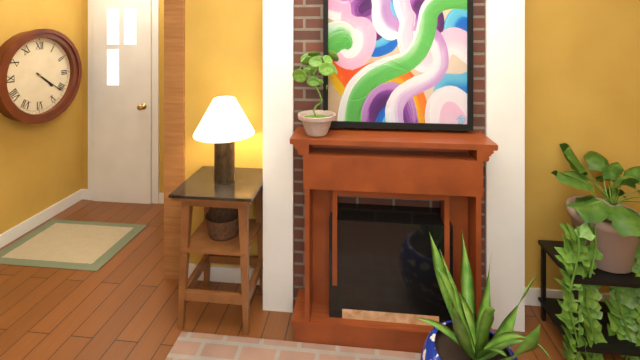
4:21
